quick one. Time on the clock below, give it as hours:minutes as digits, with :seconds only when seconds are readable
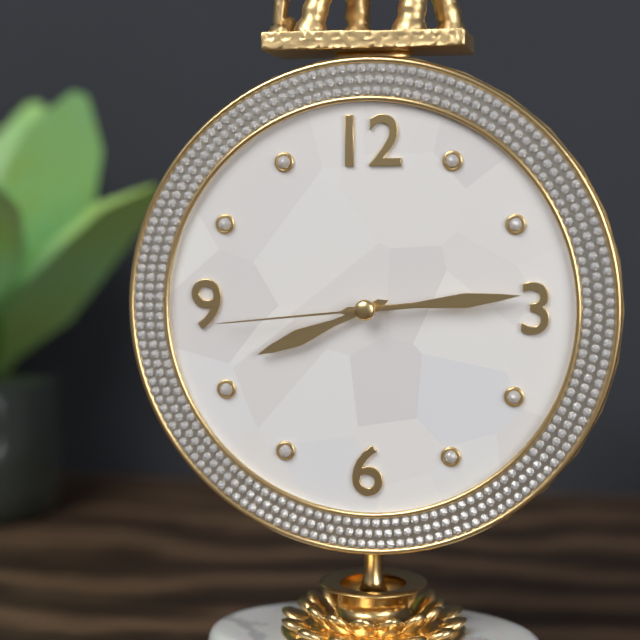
8:14:44
